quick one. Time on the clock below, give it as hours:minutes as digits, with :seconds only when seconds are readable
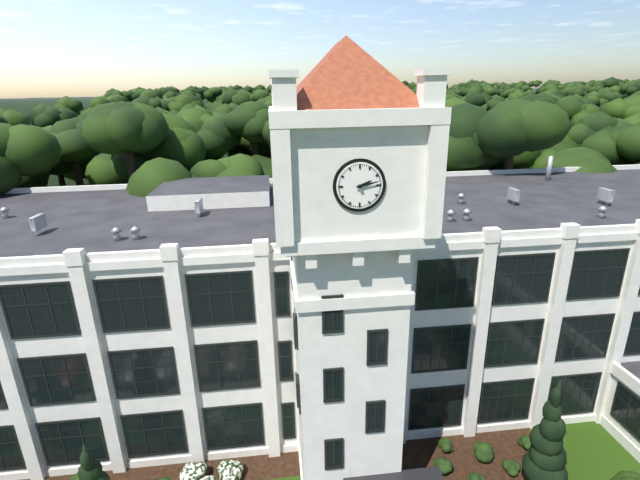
2:13
